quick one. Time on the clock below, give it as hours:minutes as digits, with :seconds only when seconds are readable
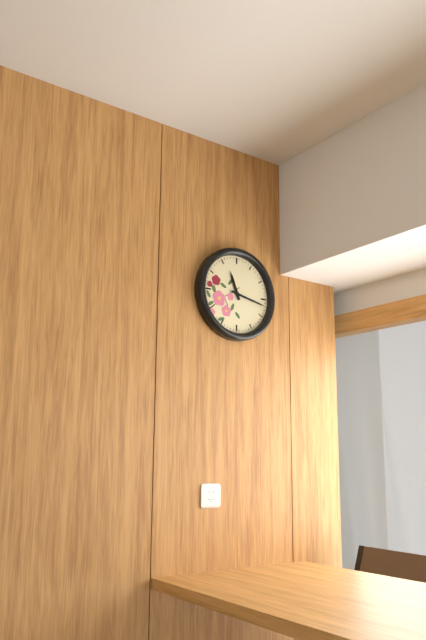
11:17
